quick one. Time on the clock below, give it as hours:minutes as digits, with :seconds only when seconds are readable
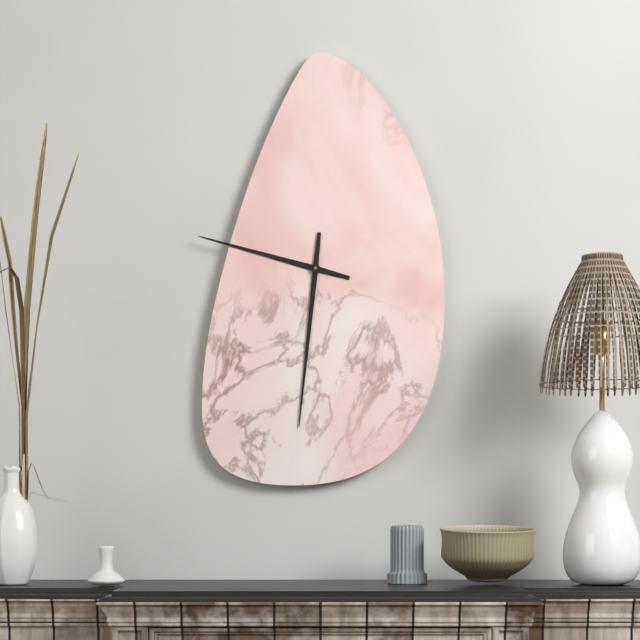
9:31
